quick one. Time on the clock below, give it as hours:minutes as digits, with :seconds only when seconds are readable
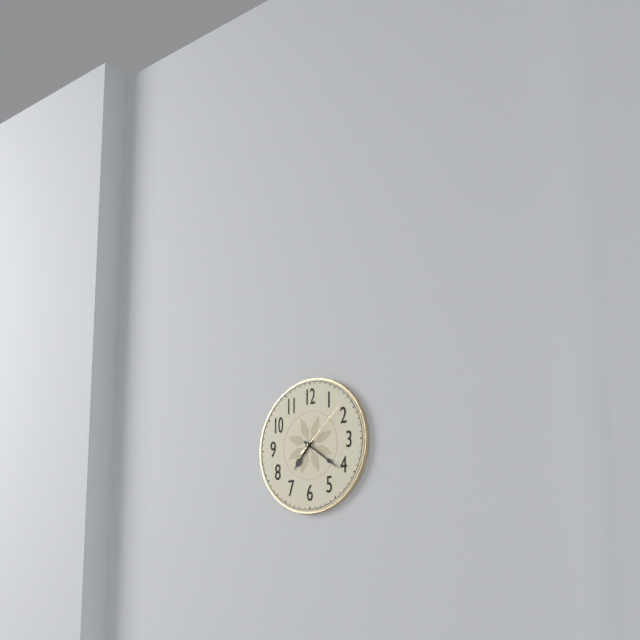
7:21:08
